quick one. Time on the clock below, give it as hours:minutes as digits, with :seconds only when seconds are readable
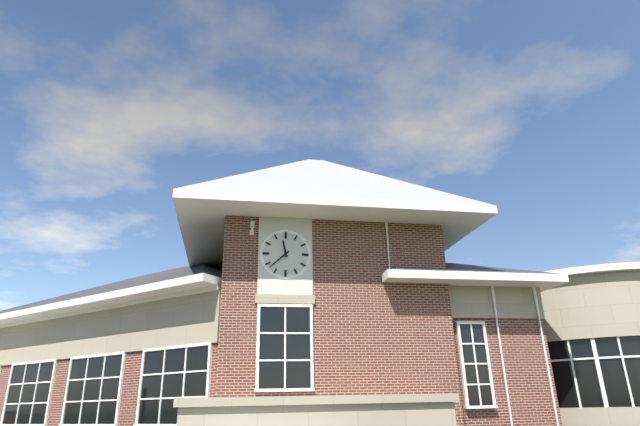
11:38
